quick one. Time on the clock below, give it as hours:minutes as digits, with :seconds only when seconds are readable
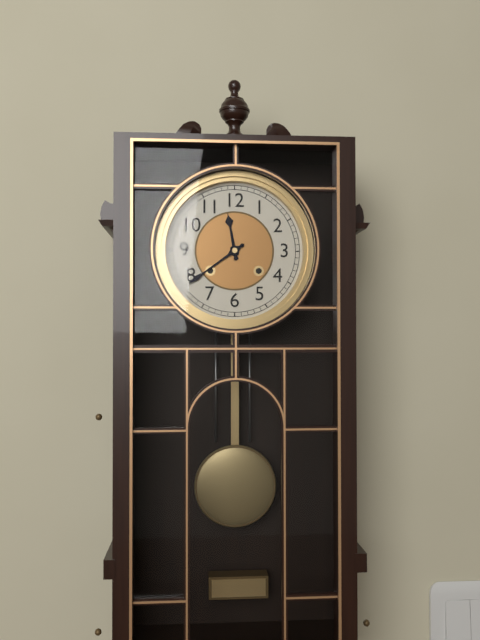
11:39
